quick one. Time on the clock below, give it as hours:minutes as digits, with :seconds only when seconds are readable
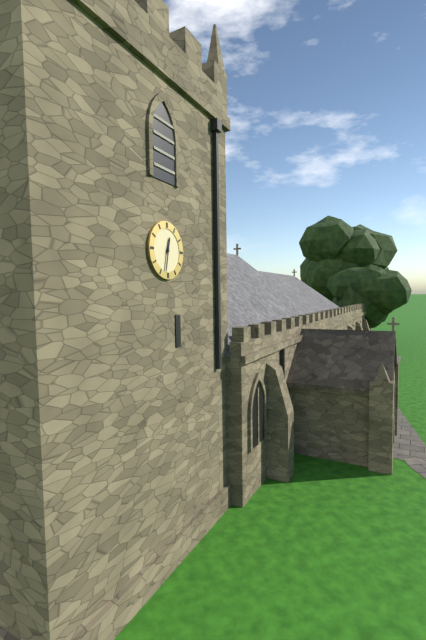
12:32
